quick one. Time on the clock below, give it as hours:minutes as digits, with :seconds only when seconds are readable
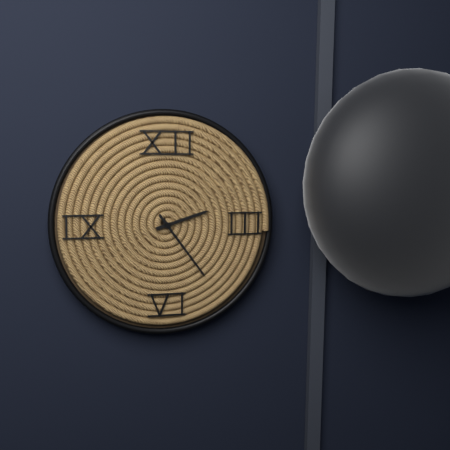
2:24
